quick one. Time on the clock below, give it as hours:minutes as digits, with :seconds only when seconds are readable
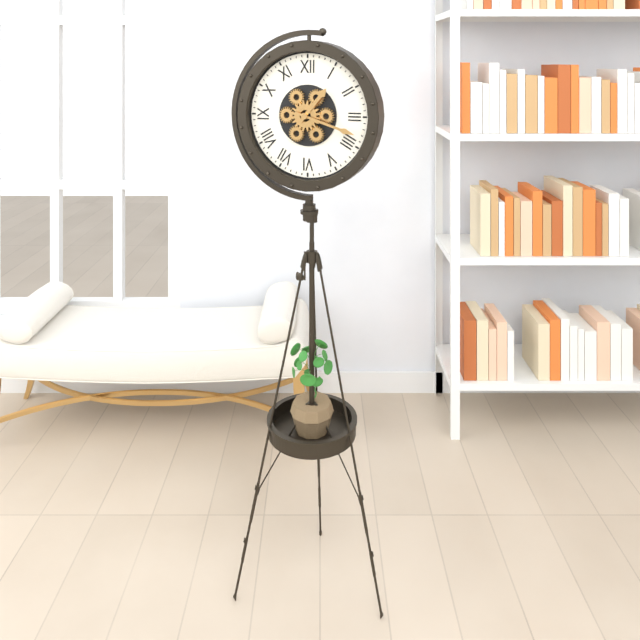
1:18
